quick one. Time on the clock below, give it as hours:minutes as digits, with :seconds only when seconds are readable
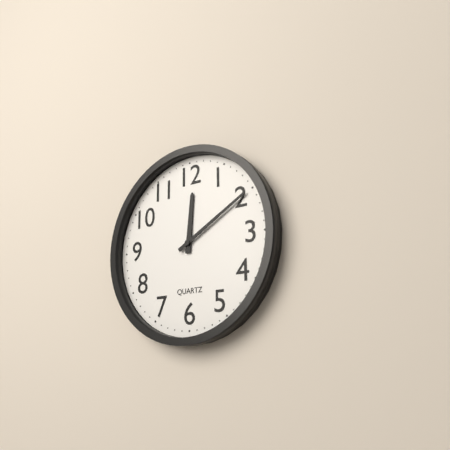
12:10
